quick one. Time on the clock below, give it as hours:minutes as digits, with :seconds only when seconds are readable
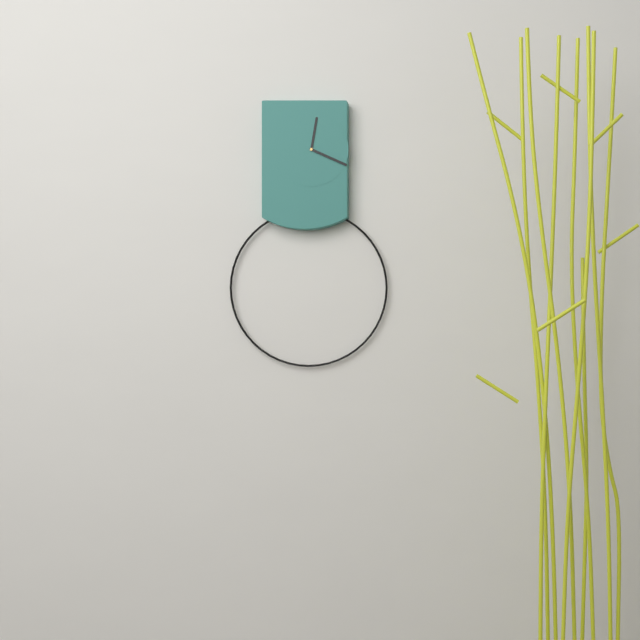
12:19
